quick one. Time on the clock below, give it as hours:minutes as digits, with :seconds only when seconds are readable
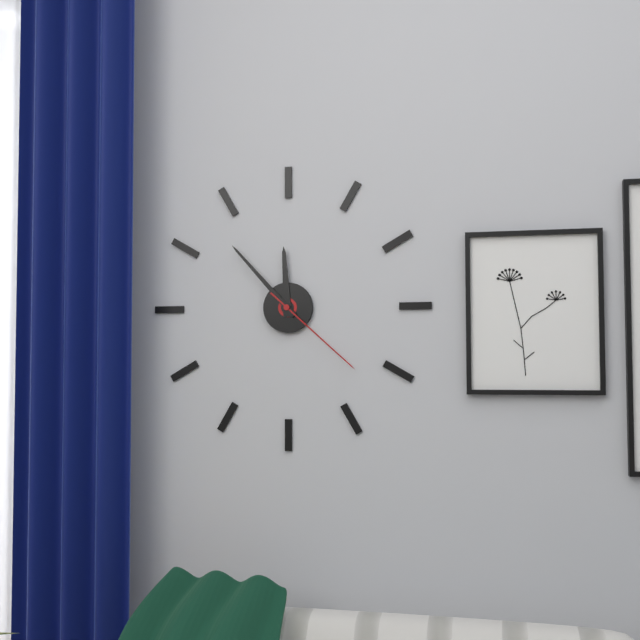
11:53:22
